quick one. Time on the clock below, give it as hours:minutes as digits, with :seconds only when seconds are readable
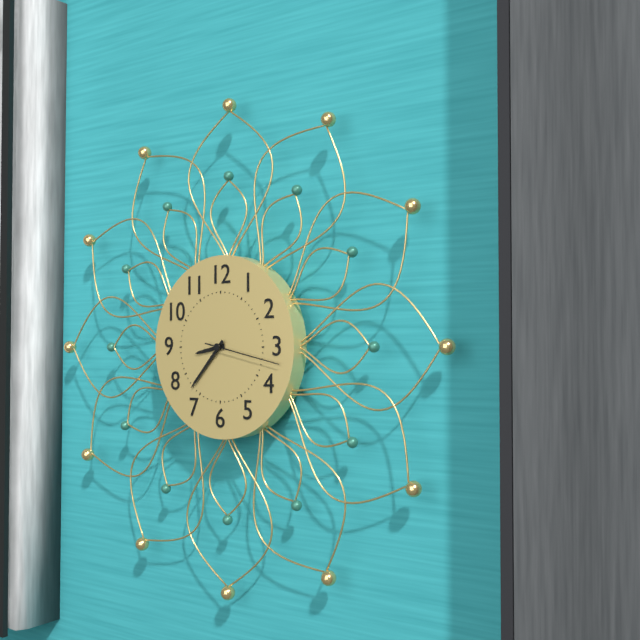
8:37
